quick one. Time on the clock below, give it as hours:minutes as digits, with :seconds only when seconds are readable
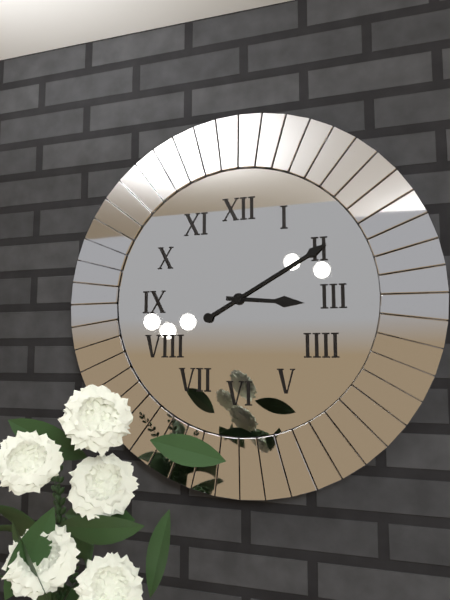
3:10
